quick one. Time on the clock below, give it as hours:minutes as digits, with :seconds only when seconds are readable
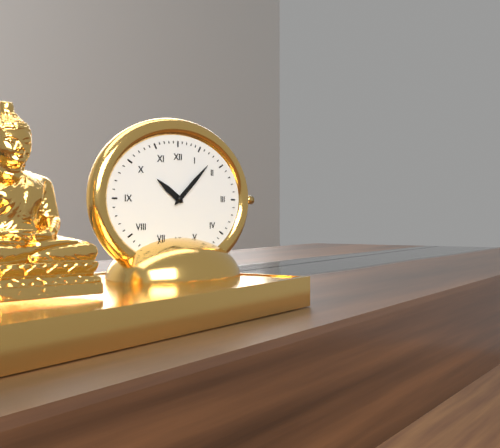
10:08
